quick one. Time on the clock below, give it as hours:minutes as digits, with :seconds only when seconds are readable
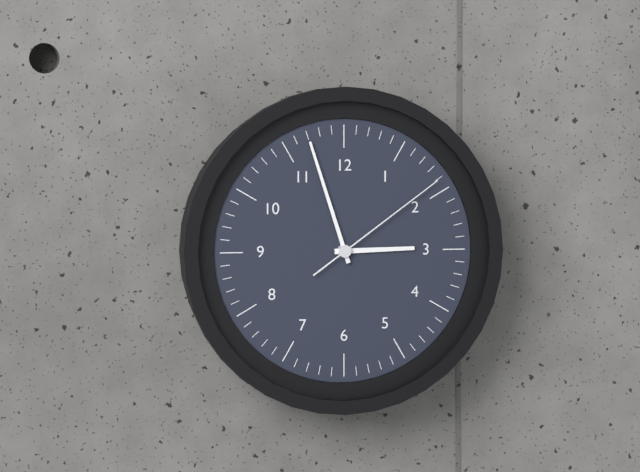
2:57:09
